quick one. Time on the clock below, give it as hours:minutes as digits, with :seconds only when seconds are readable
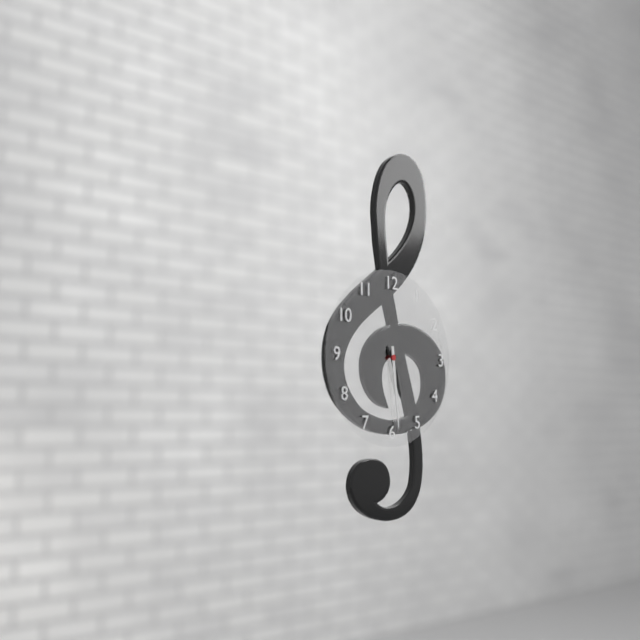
5:29
